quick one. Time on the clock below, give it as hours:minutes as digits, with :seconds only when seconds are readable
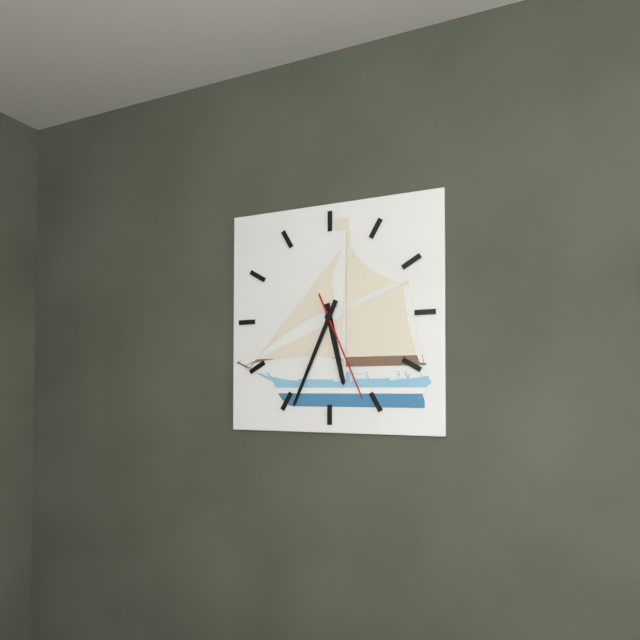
5:34:26
